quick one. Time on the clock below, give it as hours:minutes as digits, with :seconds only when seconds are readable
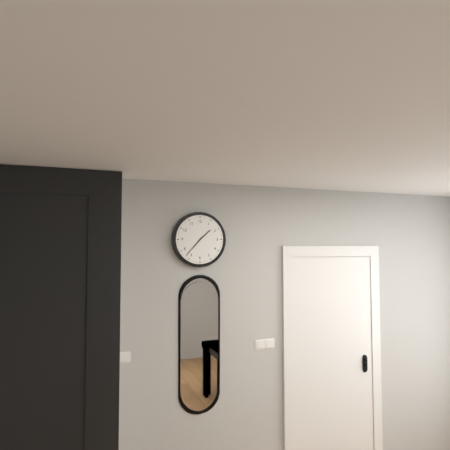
1:37
